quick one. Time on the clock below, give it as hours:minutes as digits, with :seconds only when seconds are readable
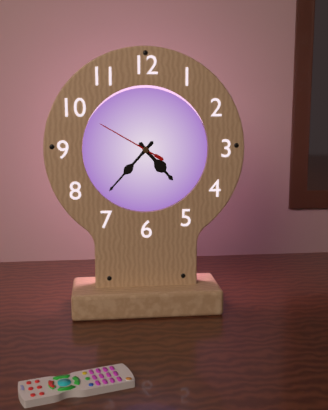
4:37:50
